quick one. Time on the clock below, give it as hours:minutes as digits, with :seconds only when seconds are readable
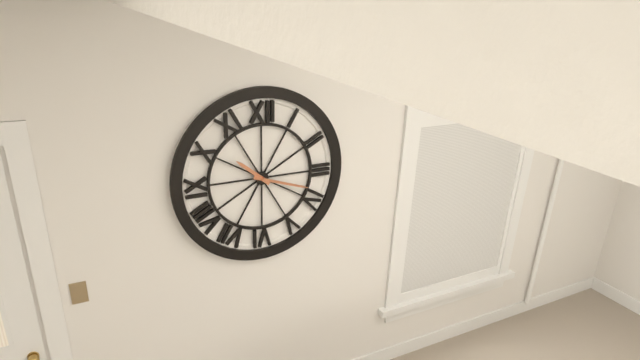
10:18
